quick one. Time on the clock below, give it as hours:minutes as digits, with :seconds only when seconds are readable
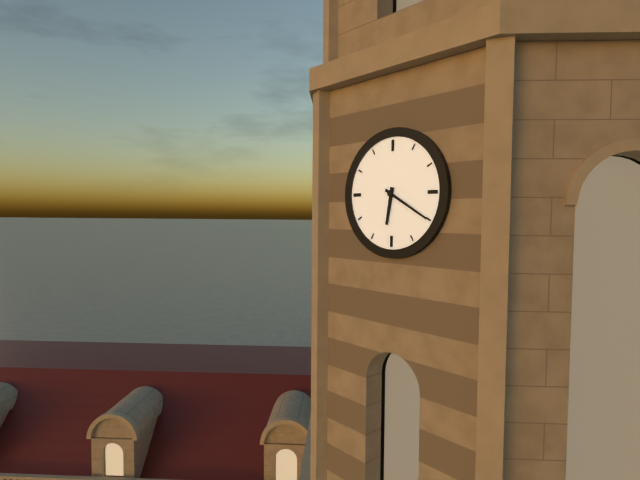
6:20
